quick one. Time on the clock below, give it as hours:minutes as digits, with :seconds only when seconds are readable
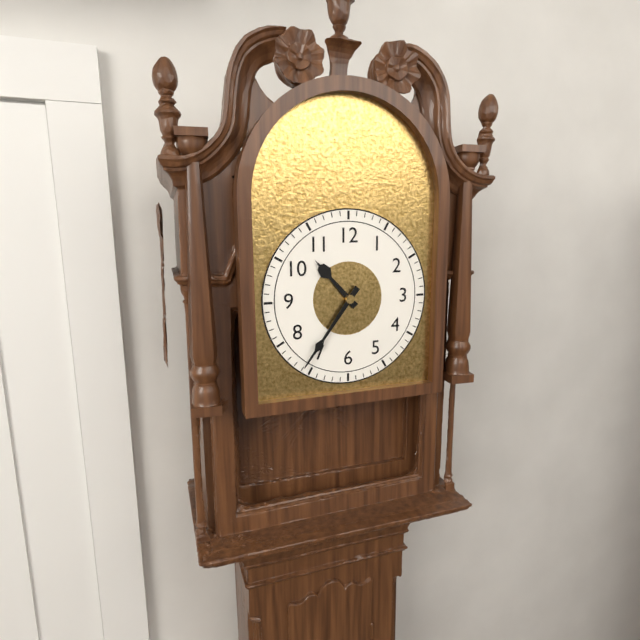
10:36
